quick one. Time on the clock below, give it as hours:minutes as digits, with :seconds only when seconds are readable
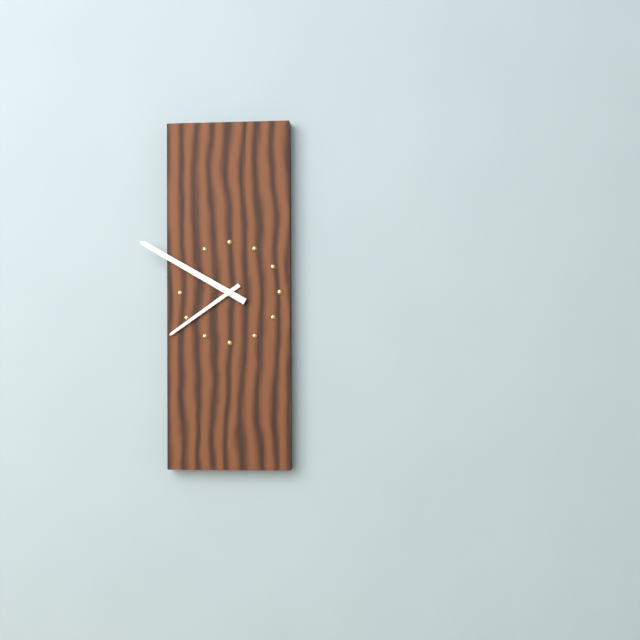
7:50
